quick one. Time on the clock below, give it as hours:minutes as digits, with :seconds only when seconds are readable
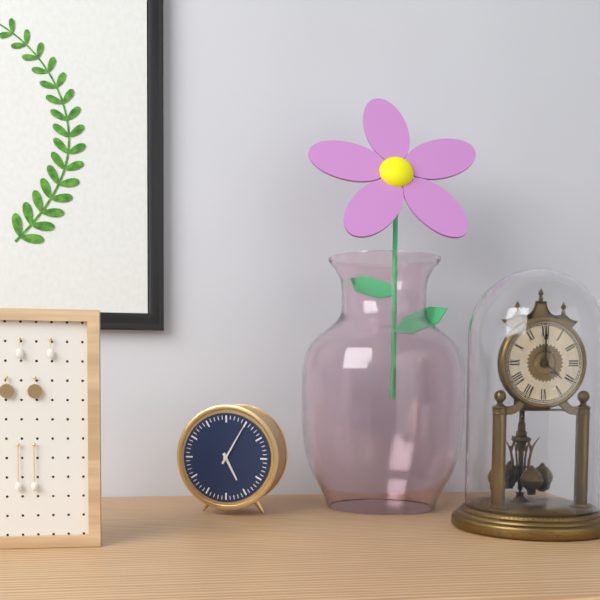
5:05
